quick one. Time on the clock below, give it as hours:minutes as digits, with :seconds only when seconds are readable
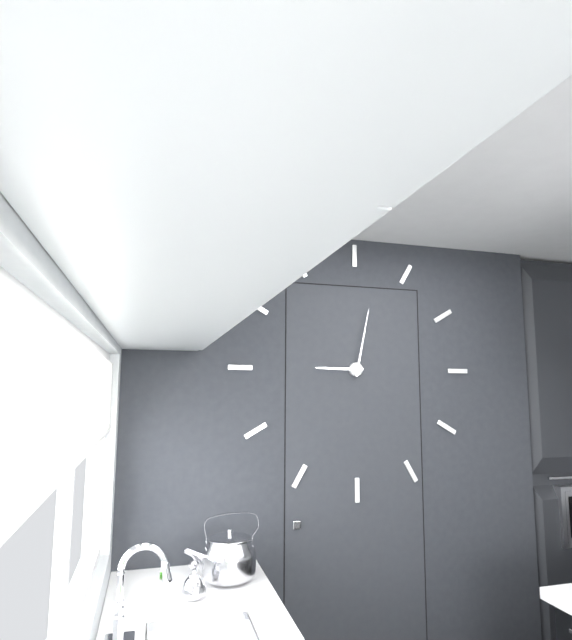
9:02
